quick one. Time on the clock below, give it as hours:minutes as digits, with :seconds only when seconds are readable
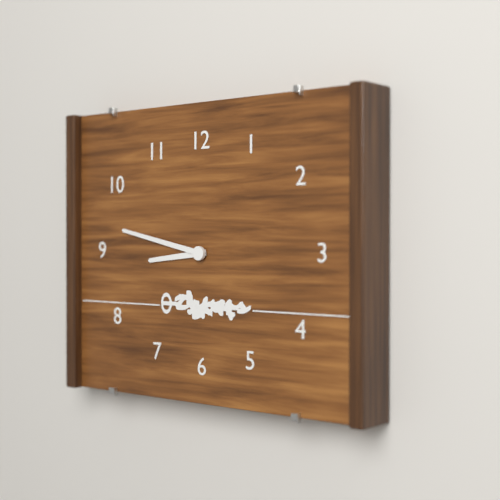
8:47
